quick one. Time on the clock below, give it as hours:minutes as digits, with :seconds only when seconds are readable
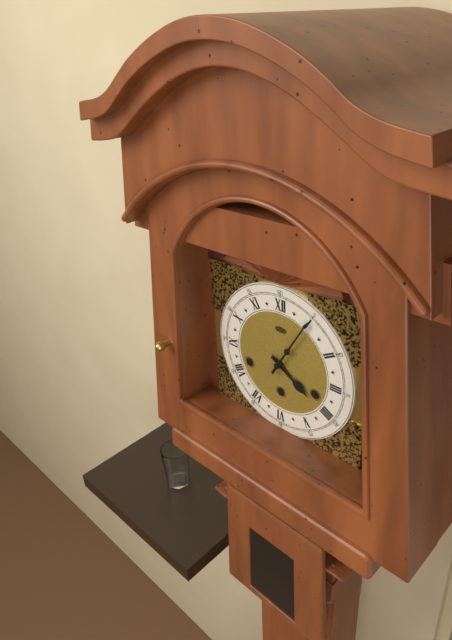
4:05
